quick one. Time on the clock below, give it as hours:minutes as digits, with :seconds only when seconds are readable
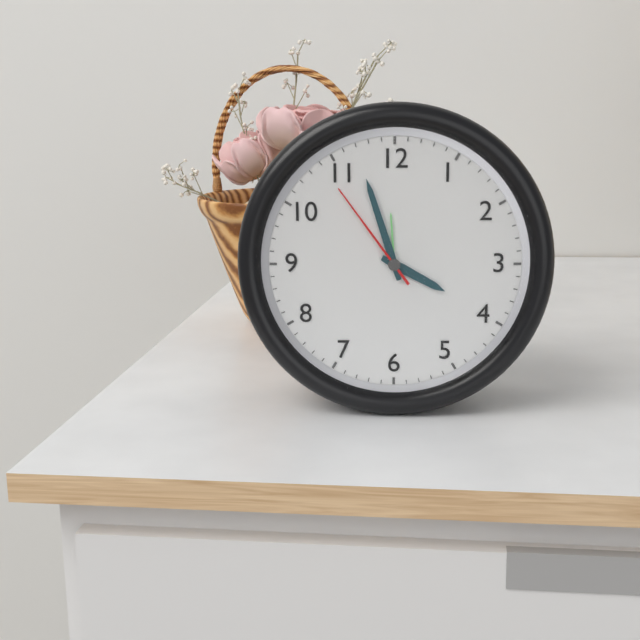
3:57:54
